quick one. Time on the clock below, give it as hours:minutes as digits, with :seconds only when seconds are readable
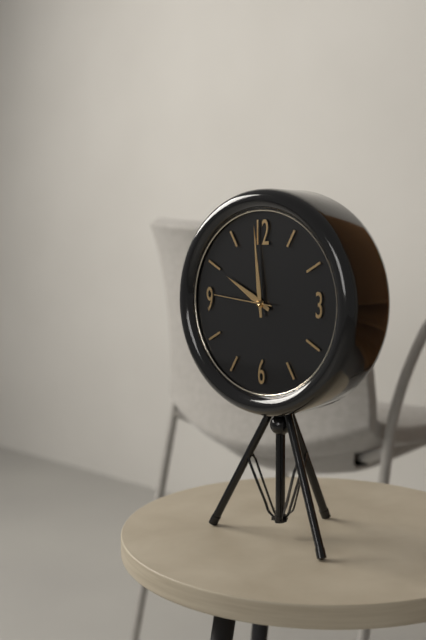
9:59:46
